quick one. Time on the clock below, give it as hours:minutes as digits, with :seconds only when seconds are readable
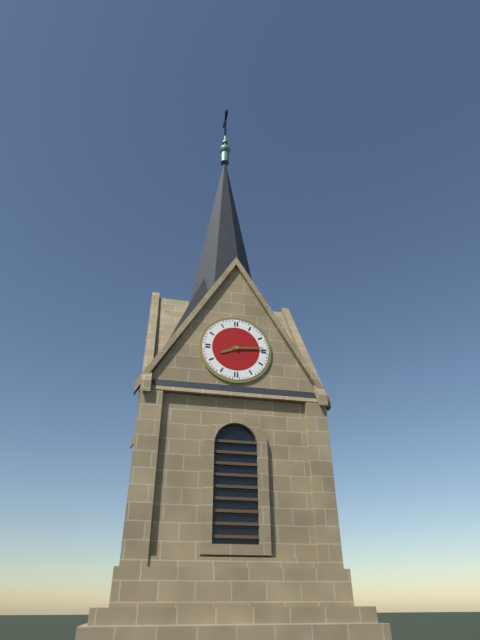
8:14
